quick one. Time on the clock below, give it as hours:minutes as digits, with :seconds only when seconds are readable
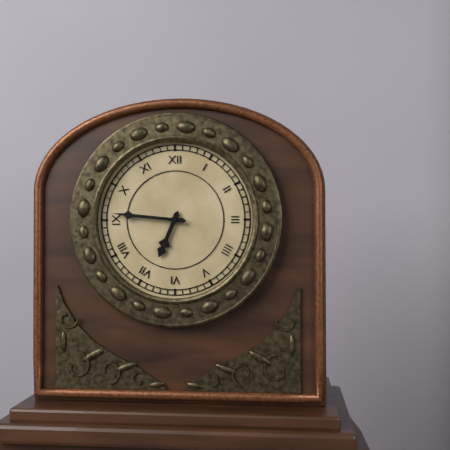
6:46
